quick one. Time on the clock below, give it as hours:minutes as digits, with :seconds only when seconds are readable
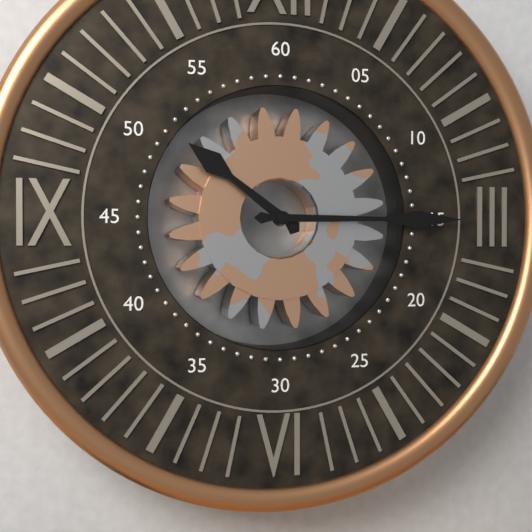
10:15
